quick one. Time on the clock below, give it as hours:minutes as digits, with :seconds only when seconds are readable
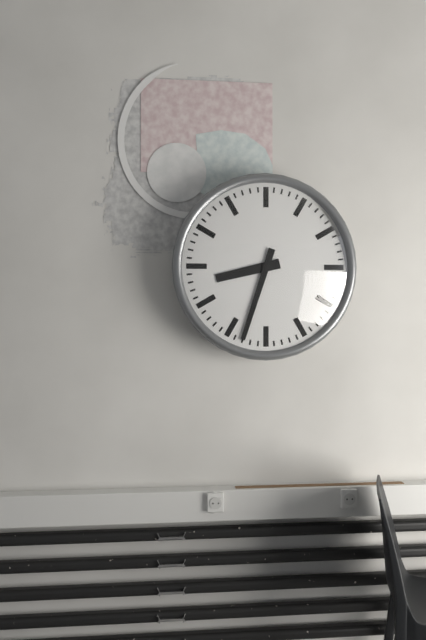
8:33
